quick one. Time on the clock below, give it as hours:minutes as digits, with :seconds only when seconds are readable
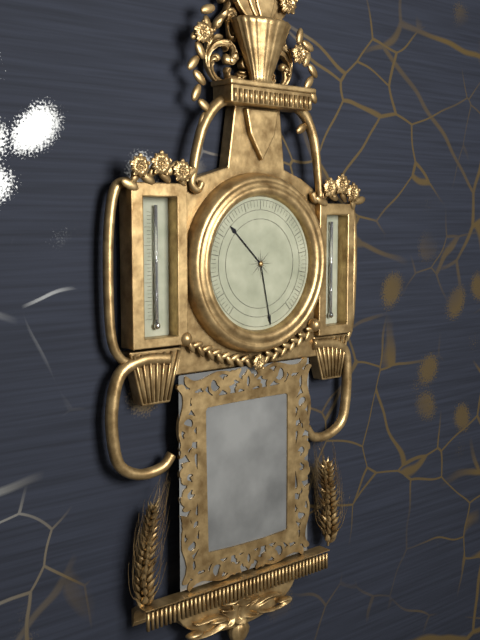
10:28
